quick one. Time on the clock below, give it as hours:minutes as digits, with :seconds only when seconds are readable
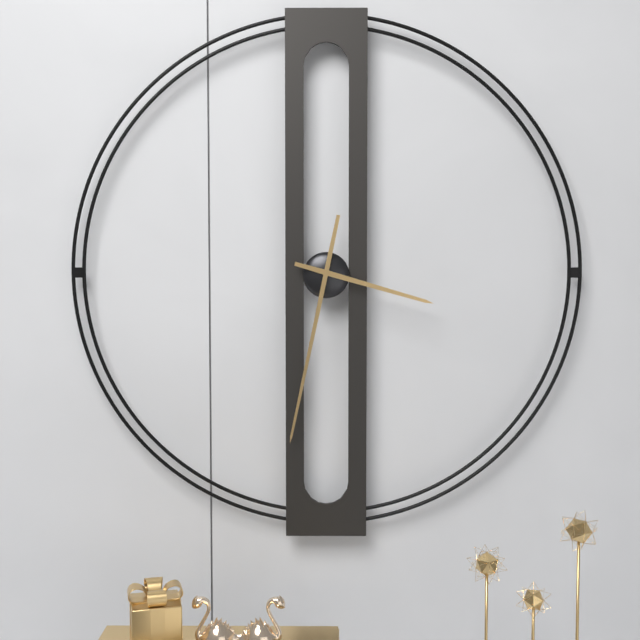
3:32
